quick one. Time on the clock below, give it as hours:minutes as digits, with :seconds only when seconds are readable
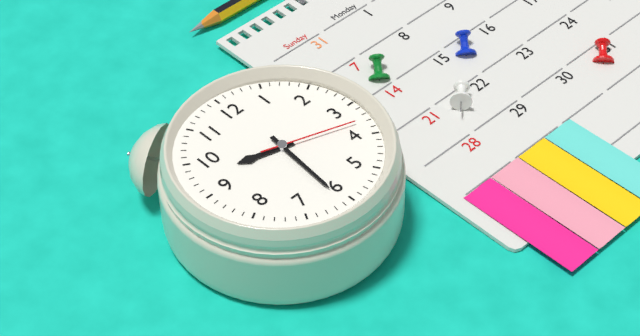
9:31:18
